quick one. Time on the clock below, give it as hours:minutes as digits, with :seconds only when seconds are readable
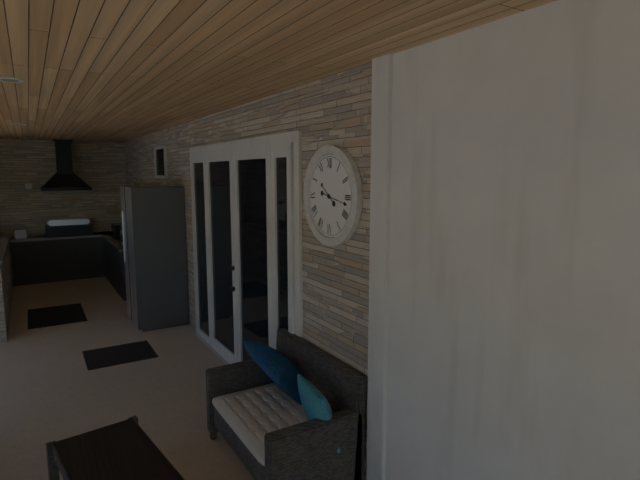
10:17
